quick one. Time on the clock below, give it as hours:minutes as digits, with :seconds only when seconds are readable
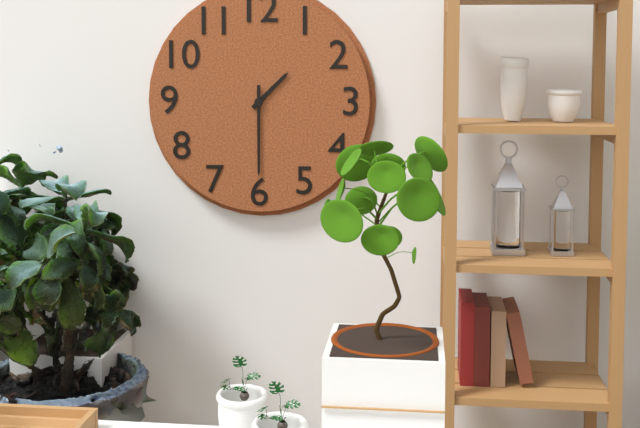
1:30
